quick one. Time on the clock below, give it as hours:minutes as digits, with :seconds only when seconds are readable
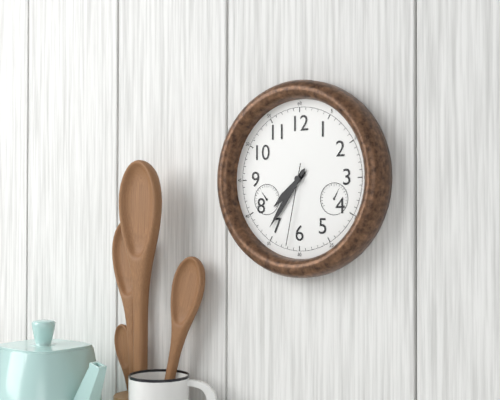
7:36:32
